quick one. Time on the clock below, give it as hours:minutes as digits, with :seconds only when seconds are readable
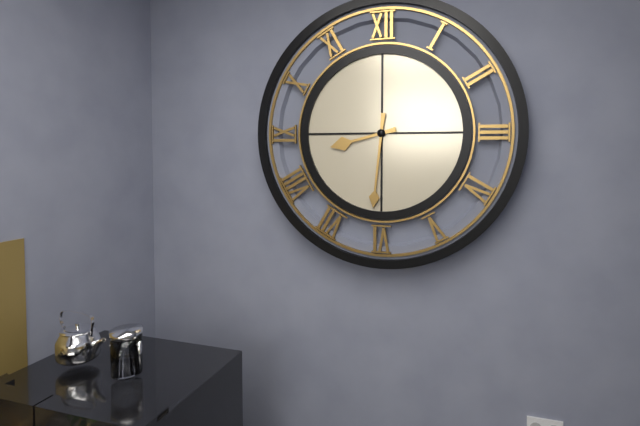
8:31
